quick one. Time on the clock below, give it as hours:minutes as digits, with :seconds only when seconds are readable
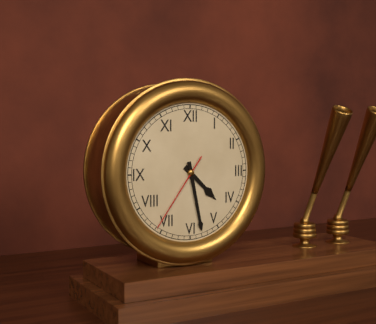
4:28:36
